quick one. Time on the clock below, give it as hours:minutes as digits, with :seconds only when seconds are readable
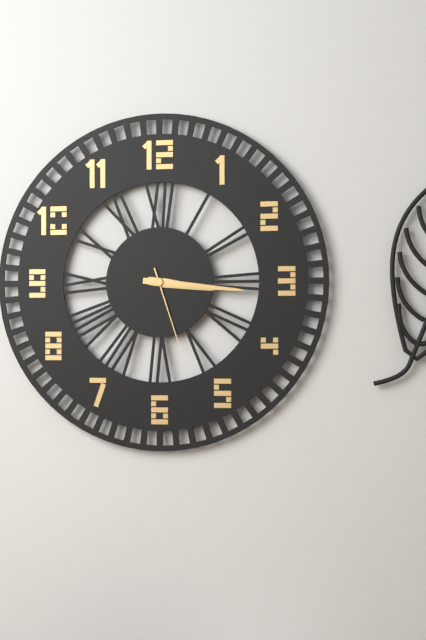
3:16:27
